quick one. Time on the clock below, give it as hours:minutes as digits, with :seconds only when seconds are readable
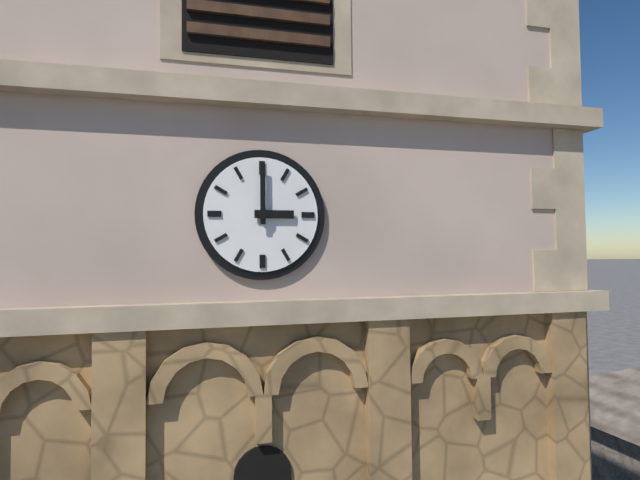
3:00
